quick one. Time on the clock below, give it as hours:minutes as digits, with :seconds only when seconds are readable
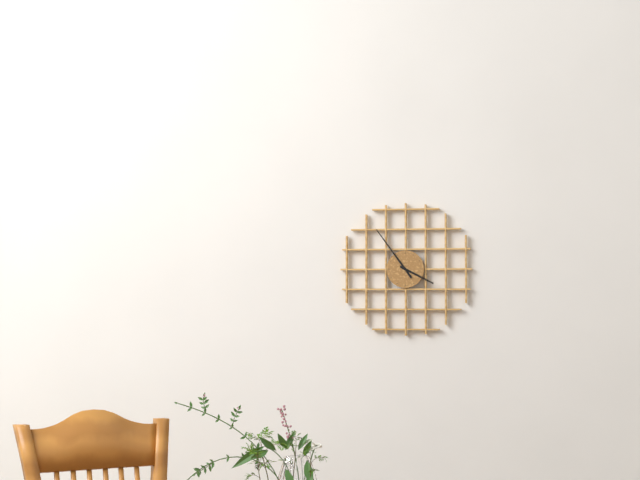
3:54
